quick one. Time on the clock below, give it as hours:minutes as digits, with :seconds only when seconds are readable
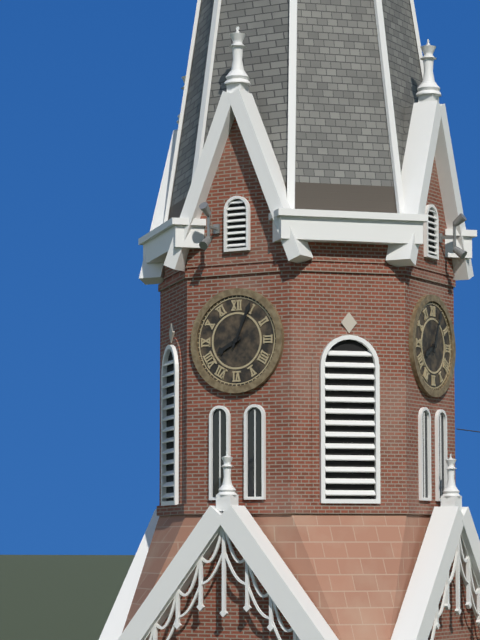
8:04
